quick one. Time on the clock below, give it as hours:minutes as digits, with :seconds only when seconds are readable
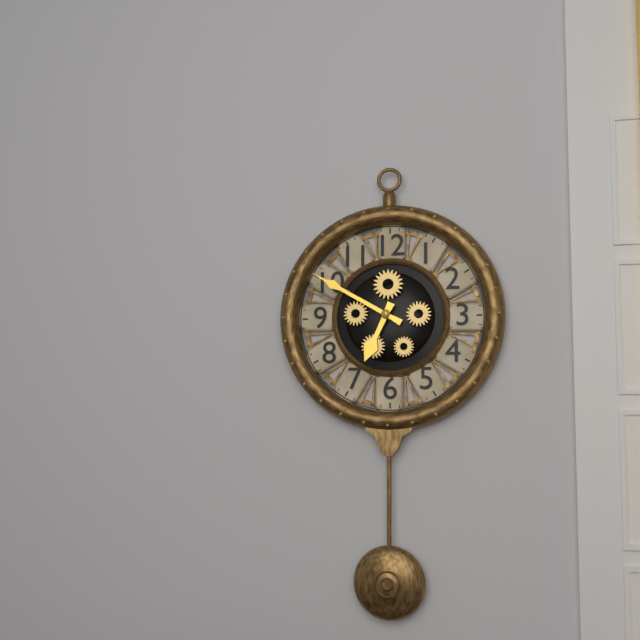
6:50
